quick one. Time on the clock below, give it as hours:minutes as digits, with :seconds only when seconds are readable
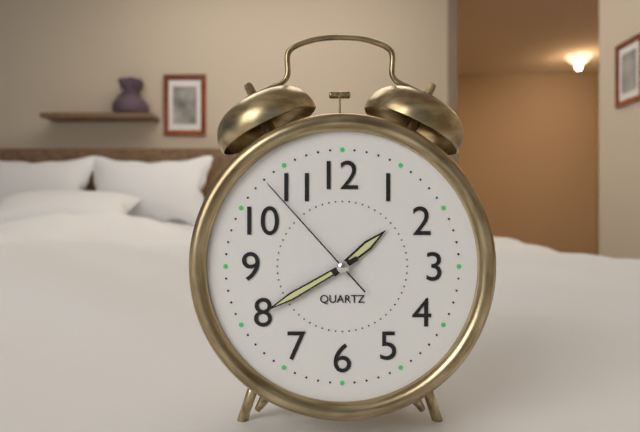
1:40:53
